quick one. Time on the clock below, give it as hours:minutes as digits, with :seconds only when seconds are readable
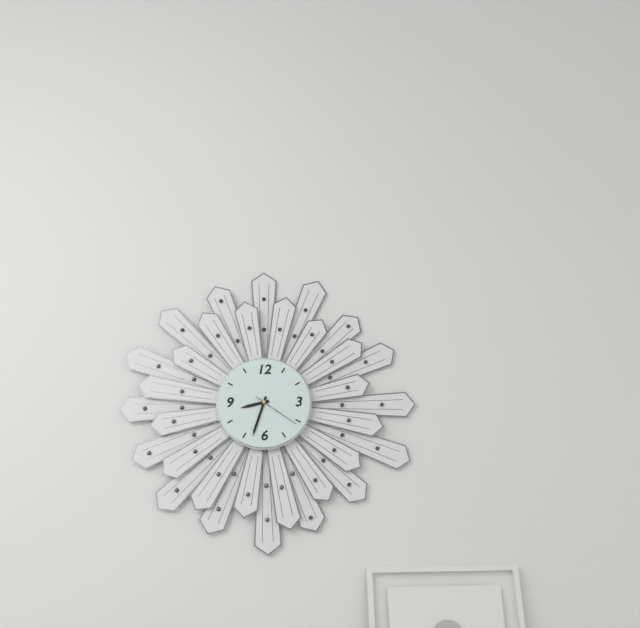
8:33
